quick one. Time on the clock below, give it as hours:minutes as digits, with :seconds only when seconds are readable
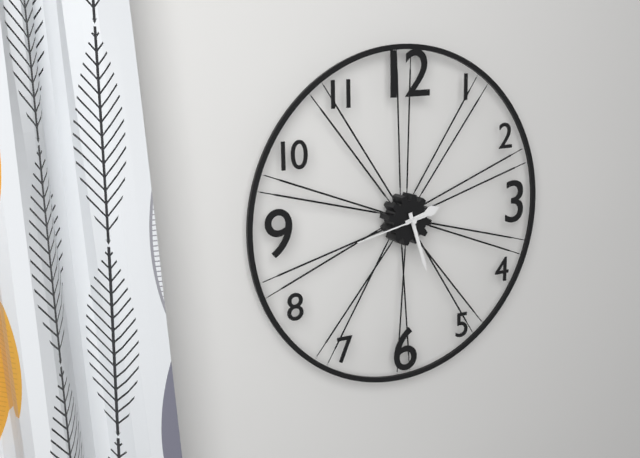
2:27:43
